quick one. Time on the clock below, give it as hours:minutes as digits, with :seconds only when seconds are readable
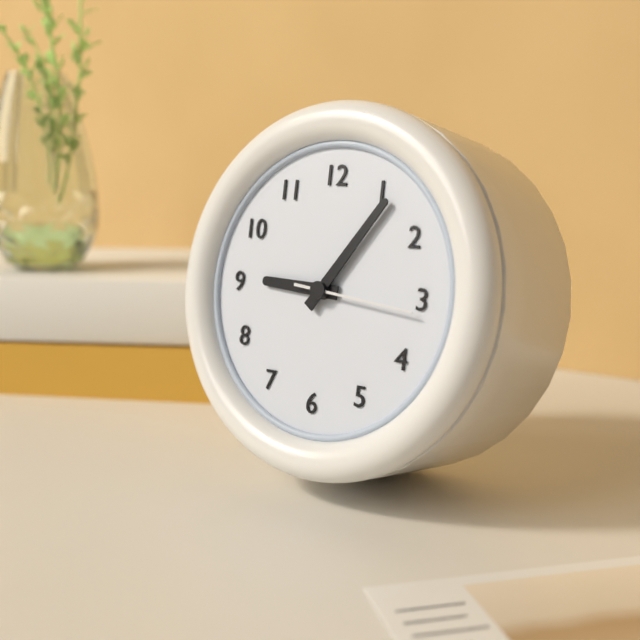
9:06:16
